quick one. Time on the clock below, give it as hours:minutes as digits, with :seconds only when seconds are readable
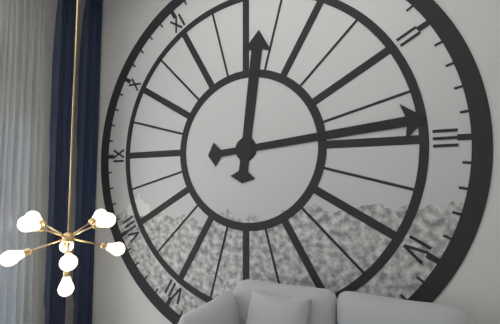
12:14
